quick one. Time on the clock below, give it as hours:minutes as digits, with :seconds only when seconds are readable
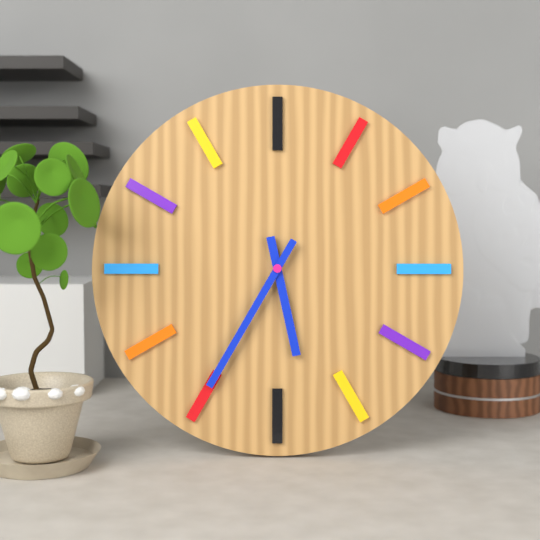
5:35
